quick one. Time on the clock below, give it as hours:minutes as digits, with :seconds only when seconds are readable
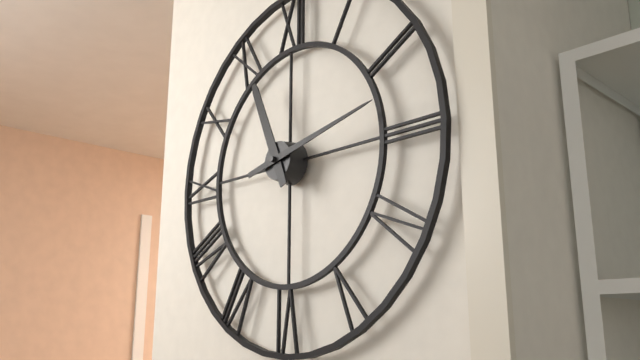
11:13
